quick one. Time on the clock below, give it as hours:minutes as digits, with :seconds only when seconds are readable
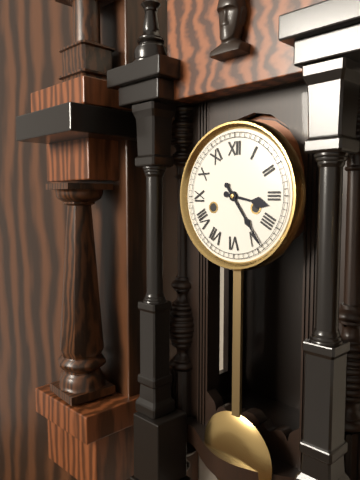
3:24
